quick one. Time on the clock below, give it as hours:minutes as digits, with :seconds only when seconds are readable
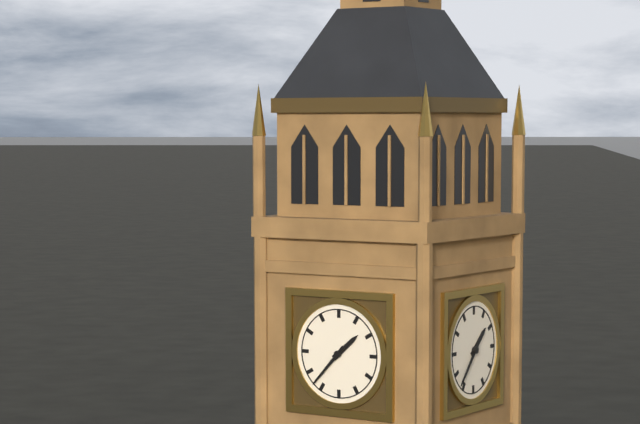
1:37
